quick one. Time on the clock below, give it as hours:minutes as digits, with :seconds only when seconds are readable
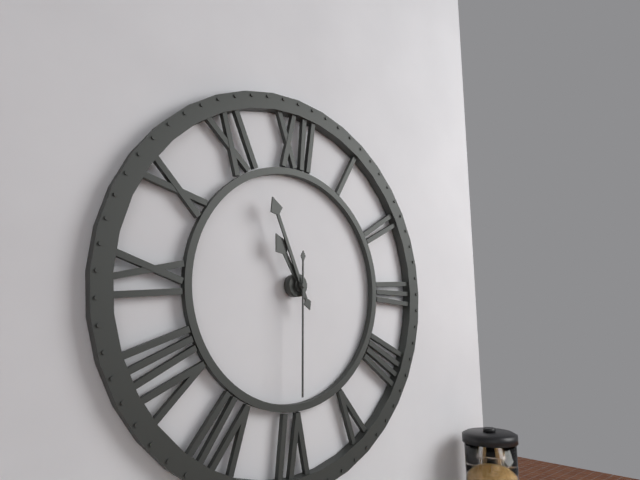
10:56:30
